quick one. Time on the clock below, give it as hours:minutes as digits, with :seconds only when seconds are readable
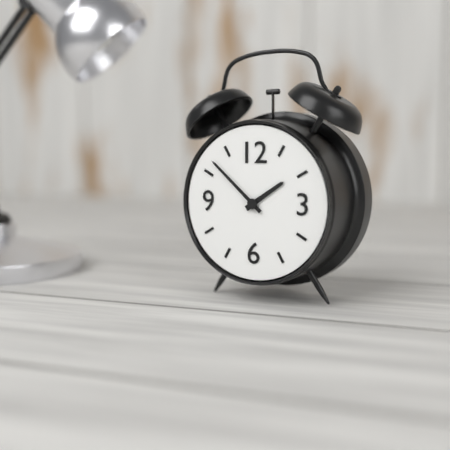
1:52
